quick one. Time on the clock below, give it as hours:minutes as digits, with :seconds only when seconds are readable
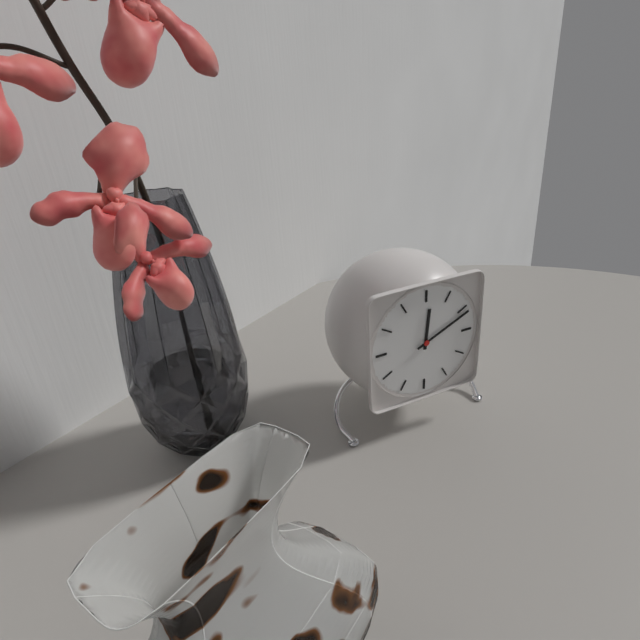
12:11
